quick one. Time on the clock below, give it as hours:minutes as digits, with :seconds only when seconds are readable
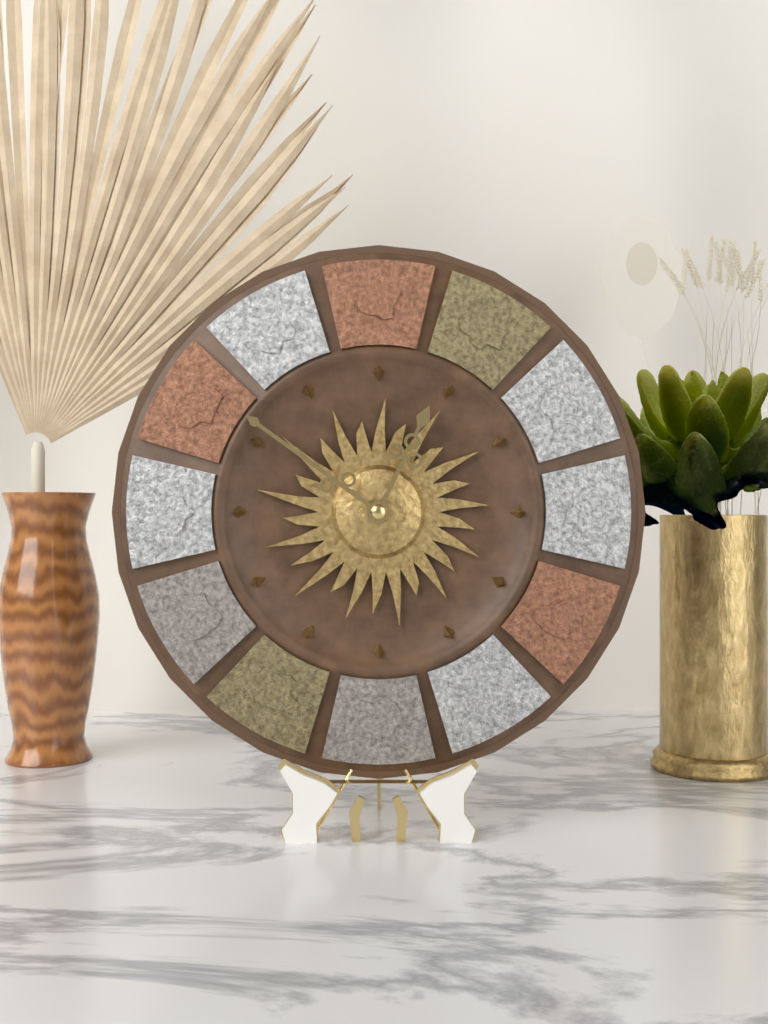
12:51
